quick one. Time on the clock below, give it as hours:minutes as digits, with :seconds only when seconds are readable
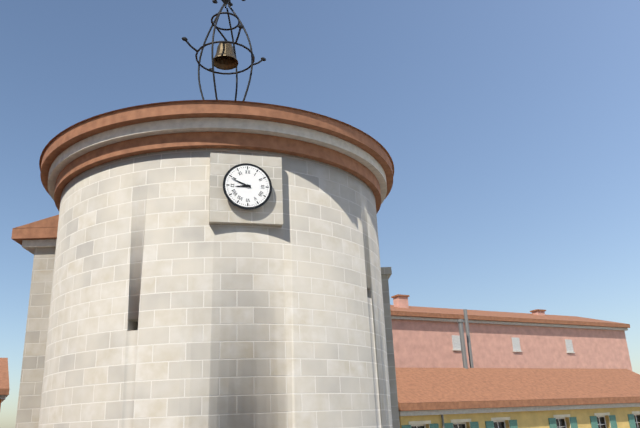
8:49
